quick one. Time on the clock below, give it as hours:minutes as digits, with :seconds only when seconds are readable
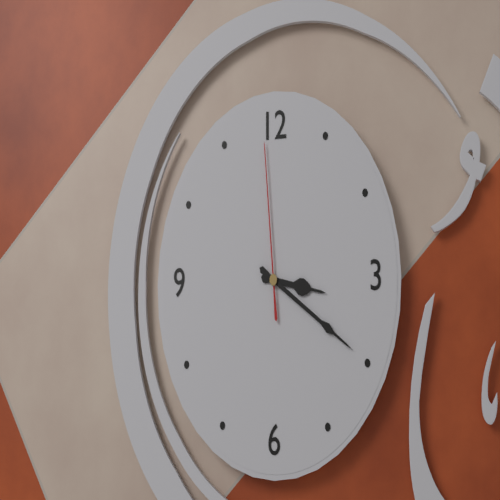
3:20:59
